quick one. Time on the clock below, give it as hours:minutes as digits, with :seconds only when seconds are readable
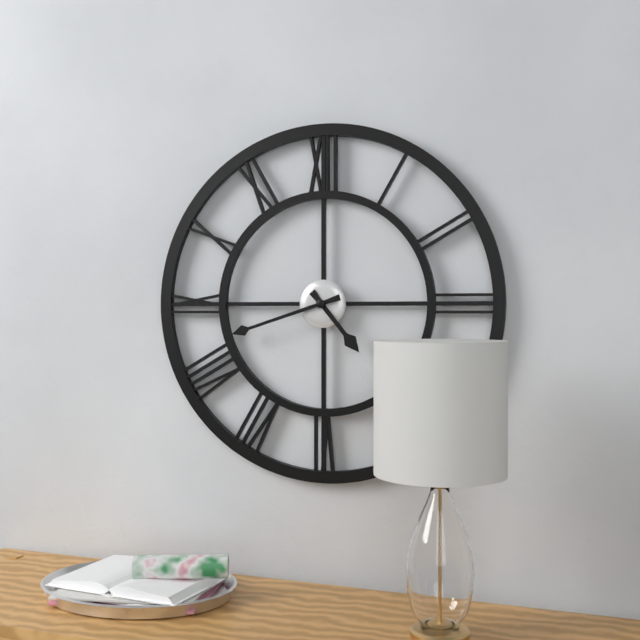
4:42
